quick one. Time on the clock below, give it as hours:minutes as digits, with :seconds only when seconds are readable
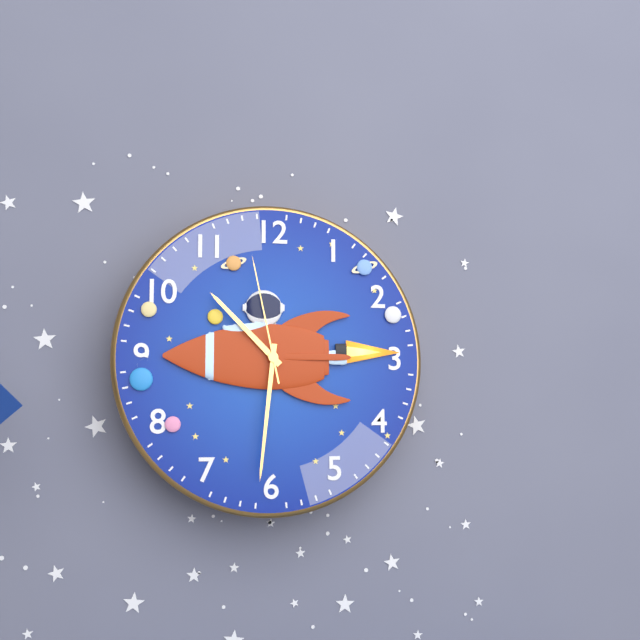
10:31:58
